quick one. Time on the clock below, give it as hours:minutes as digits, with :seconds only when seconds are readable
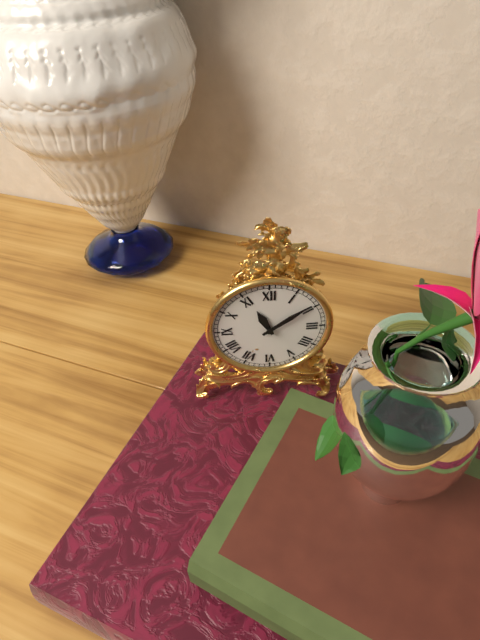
11:09
